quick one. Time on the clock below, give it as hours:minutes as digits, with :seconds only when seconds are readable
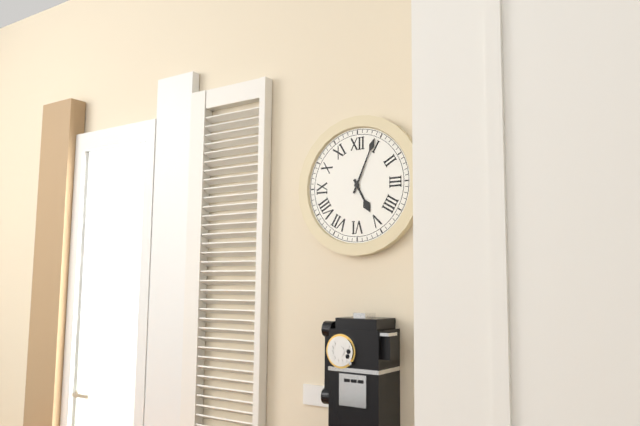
5:04
